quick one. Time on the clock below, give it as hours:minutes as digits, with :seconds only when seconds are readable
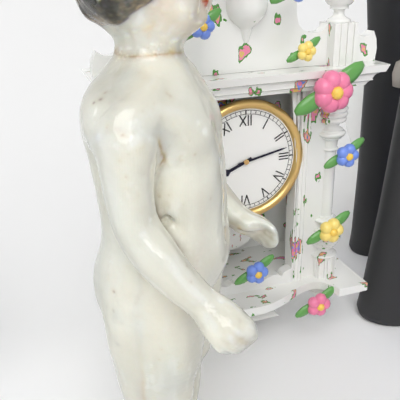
8:13
